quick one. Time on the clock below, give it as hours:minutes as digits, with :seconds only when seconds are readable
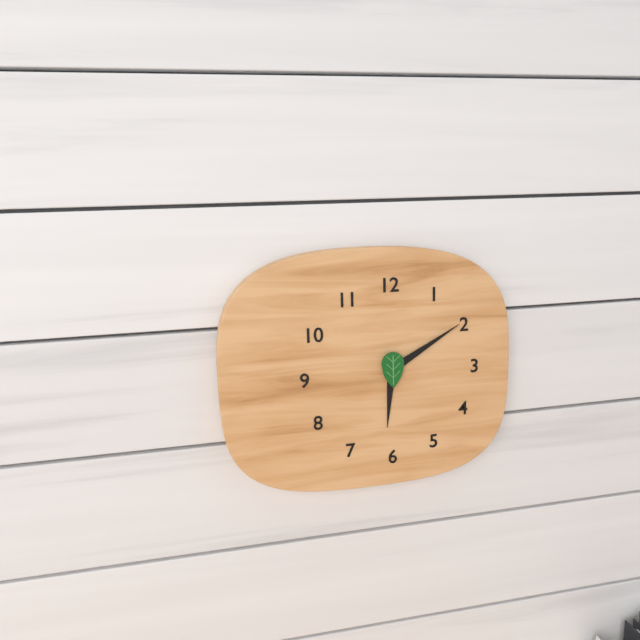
6:10
